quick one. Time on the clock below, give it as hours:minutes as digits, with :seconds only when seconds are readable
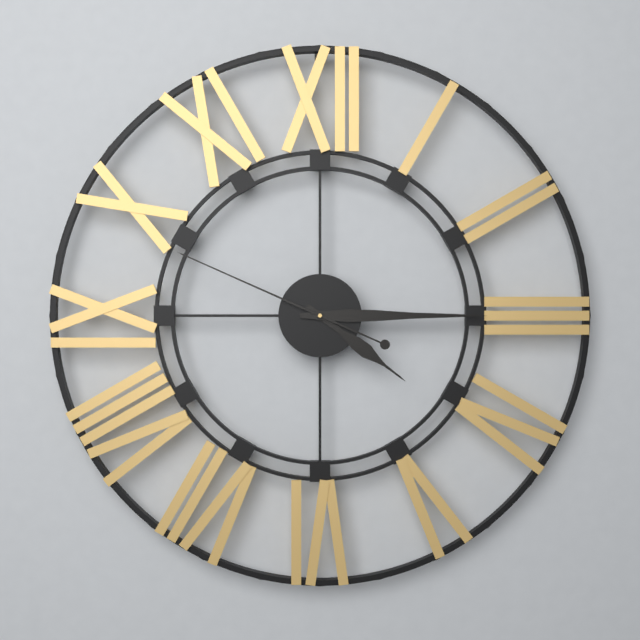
4:15:49
